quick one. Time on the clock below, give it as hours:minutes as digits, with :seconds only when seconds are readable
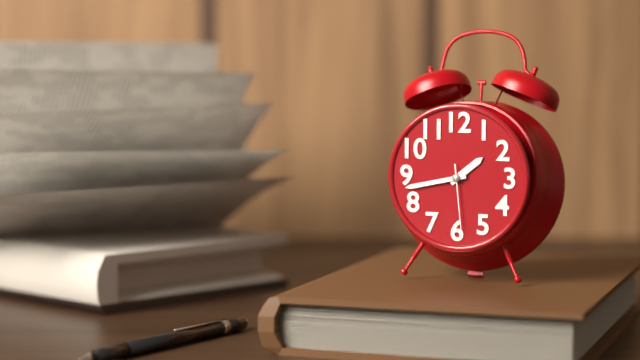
1:43:29
